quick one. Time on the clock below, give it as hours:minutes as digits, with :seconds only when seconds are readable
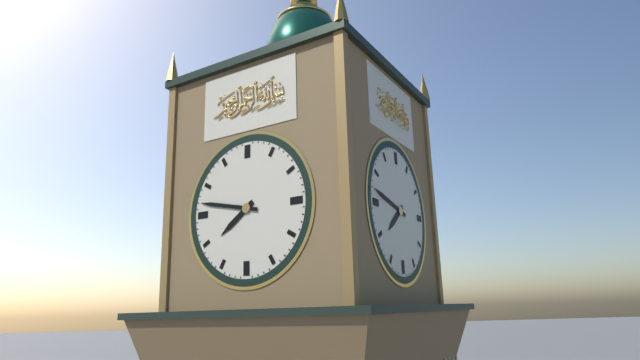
7:47
